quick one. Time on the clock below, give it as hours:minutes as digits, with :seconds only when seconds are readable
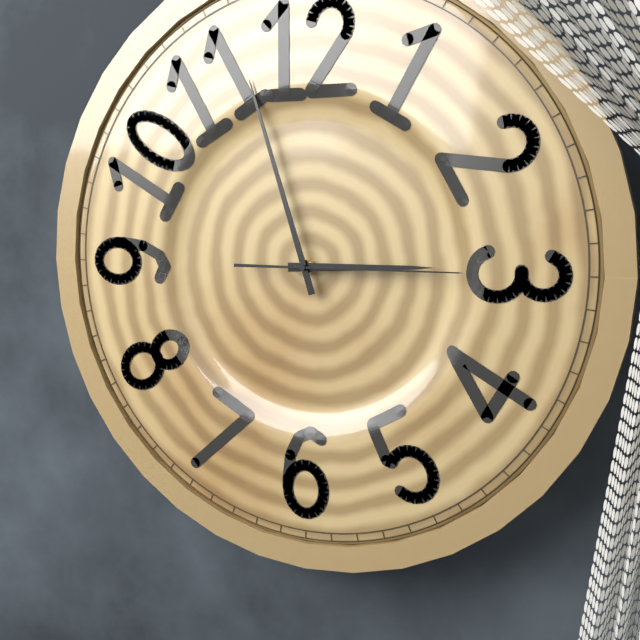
2:57:15
